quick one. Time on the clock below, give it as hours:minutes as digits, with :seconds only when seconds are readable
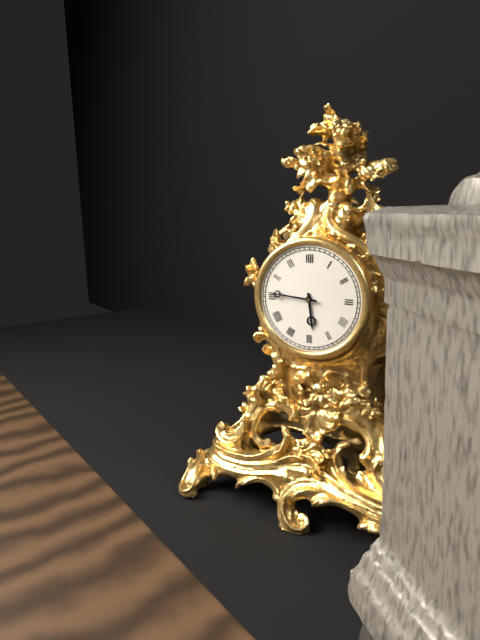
5:46
